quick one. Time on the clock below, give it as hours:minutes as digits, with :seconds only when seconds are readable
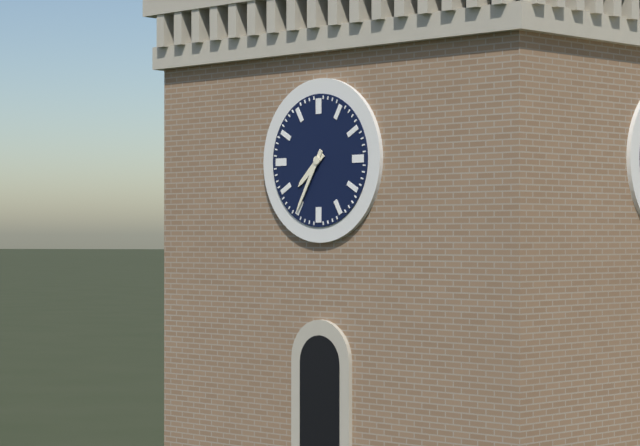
7:35
